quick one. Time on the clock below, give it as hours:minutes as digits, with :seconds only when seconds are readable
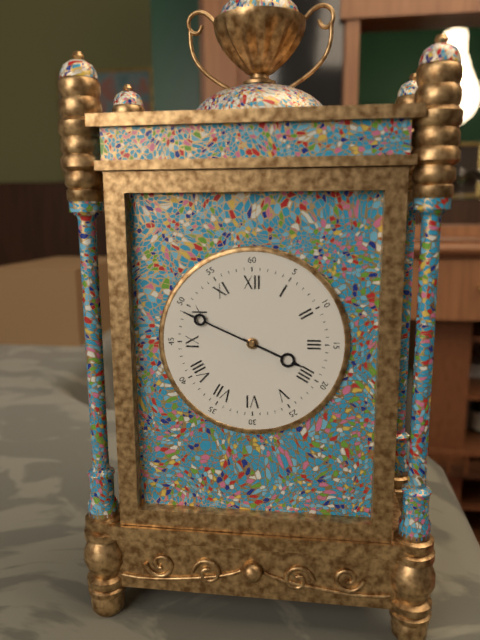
3:49
